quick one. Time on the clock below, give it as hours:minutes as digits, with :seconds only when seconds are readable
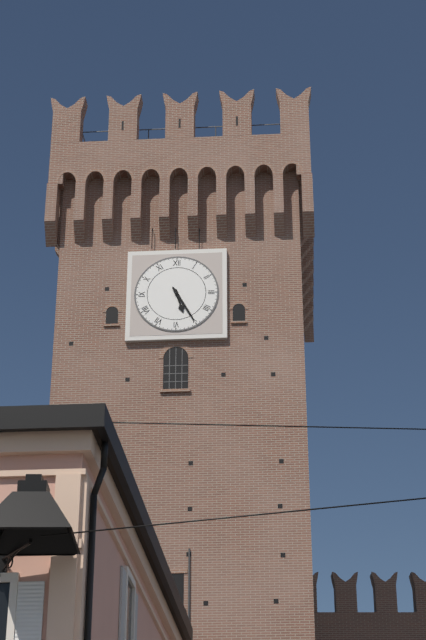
5:25
